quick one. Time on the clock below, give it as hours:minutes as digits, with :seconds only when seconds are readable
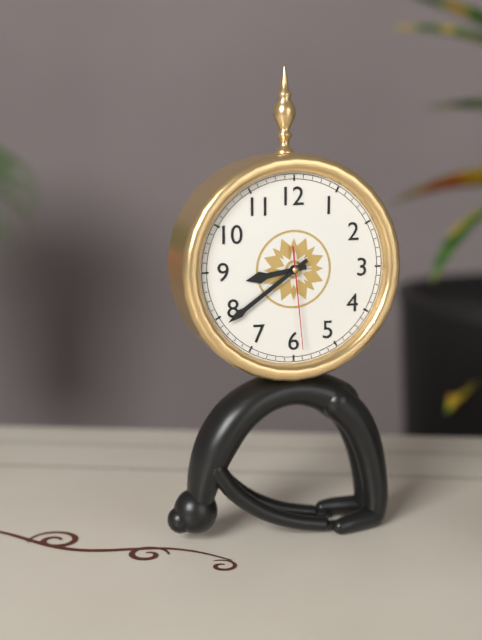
8:39:29
